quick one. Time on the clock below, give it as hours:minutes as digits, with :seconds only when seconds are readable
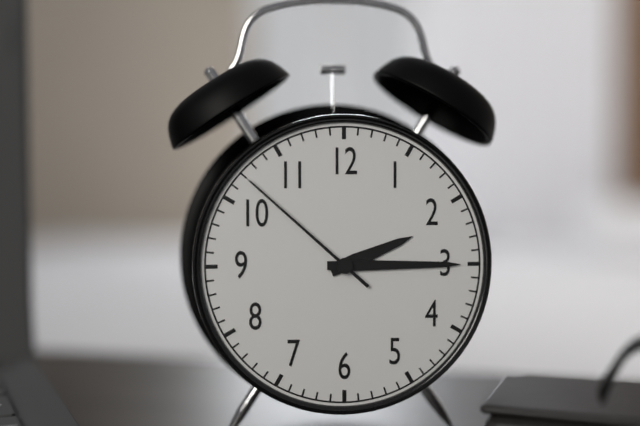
2:15:52
